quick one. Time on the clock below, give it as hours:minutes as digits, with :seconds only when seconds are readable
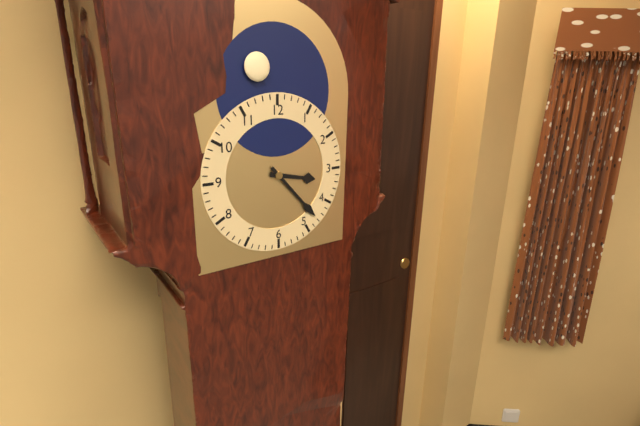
3:23
